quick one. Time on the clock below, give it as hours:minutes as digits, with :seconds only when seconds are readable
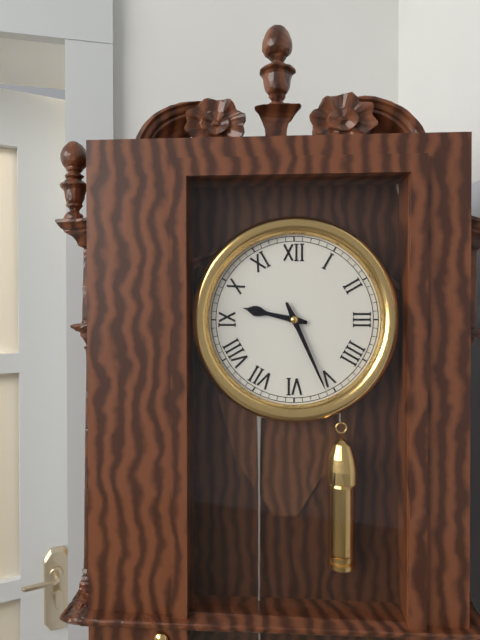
9:26
